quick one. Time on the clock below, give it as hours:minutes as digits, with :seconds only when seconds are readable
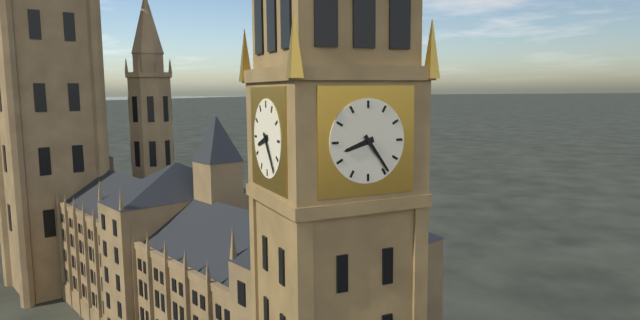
8:24
